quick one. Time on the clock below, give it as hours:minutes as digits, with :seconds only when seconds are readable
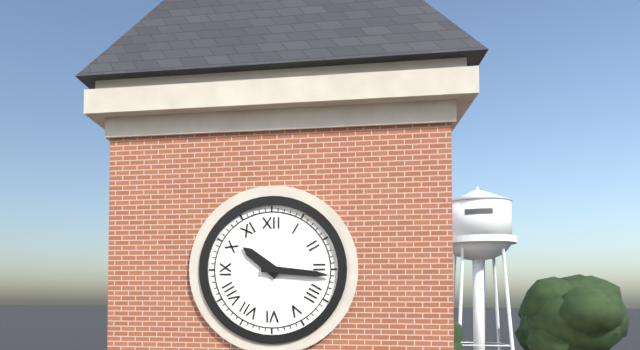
10:16
